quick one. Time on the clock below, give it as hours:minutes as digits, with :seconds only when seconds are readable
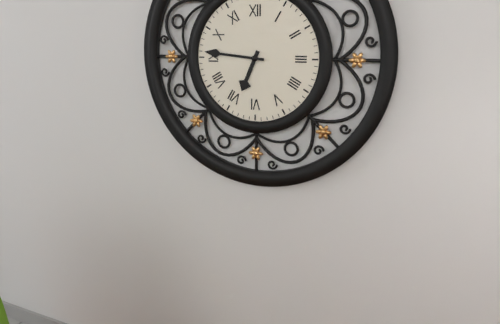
6:46
